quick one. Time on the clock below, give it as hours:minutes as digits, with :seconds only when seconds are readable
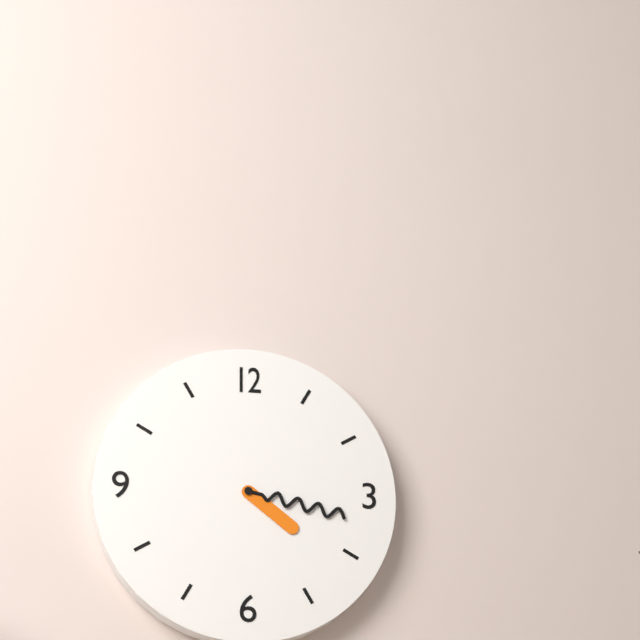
4:17
